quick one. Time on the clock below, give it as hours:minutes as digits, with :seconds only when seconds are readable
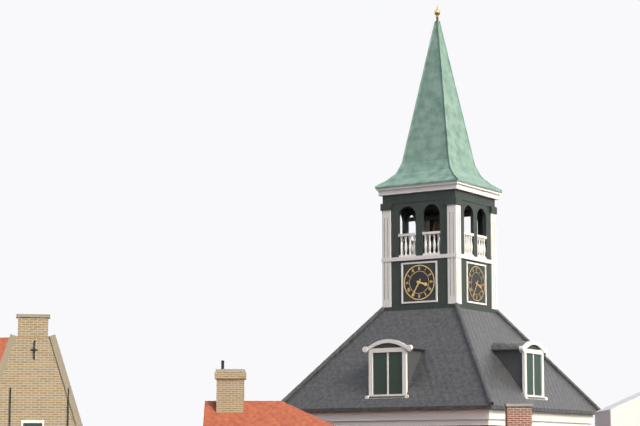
3:35
